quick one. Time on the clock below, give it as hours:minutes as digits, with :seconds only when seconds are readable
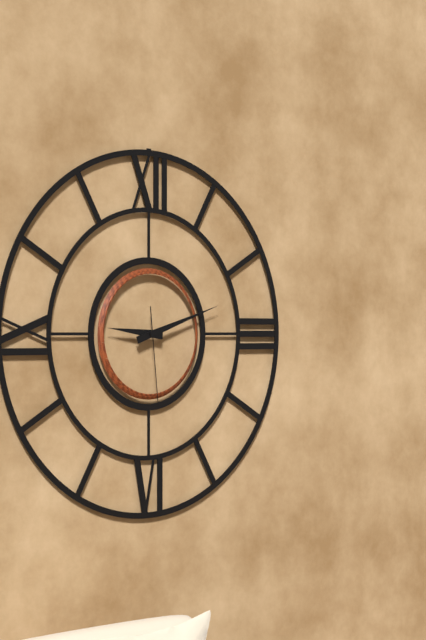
9:12:29
